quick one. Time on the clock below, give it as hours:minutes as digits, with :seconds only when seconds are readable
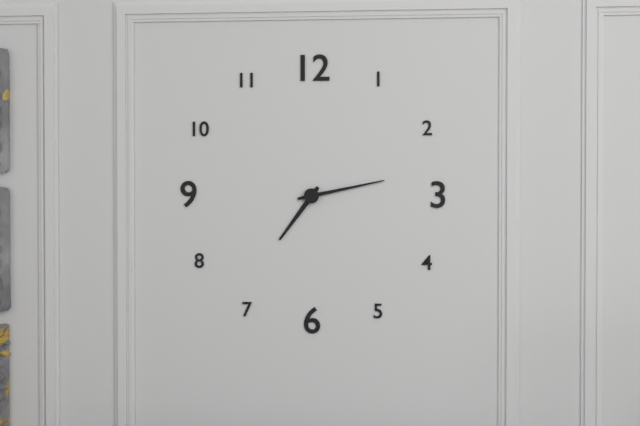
7:13
